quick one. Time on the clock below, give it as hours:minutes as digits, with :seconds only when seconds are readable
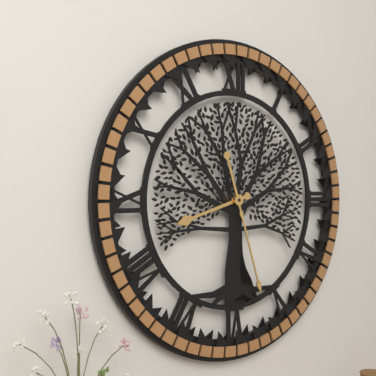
8:27
